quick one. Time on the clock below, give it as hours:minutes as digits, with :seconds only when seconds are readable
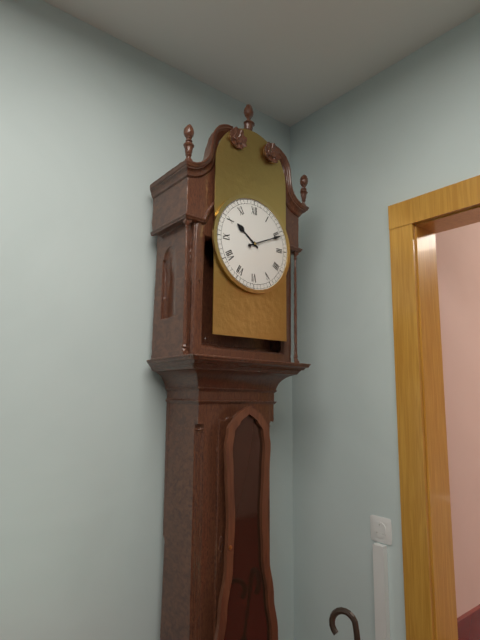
10:11
